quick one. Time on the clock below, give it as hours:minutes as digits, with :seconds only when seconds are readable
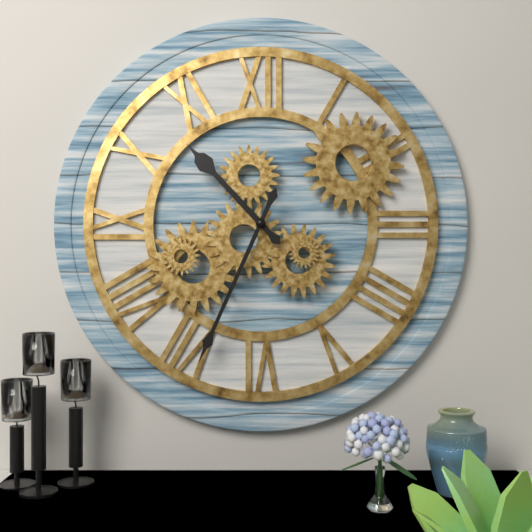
10:34
